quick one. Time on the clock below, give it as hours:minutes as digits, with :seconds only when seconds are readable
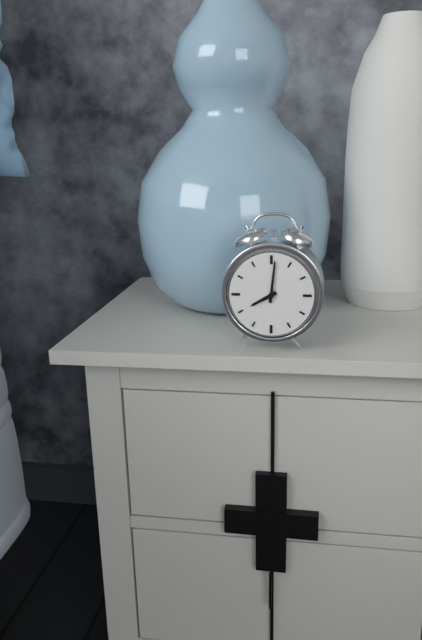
8:01
